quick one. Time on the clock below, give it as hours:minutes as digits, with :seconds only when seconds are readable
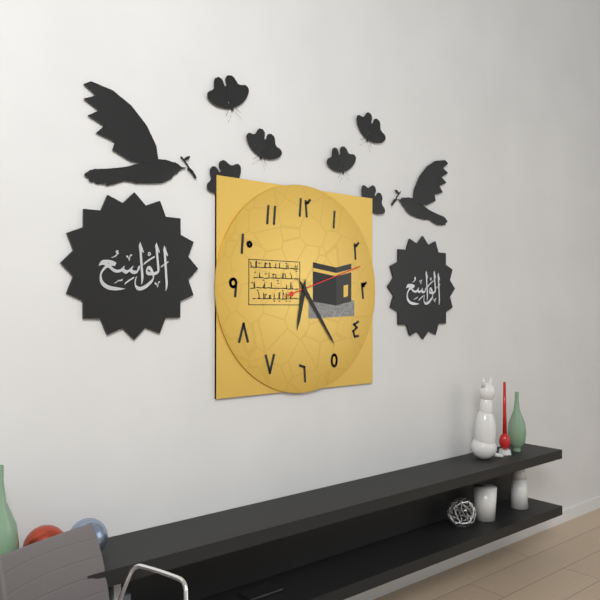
6:24:12
